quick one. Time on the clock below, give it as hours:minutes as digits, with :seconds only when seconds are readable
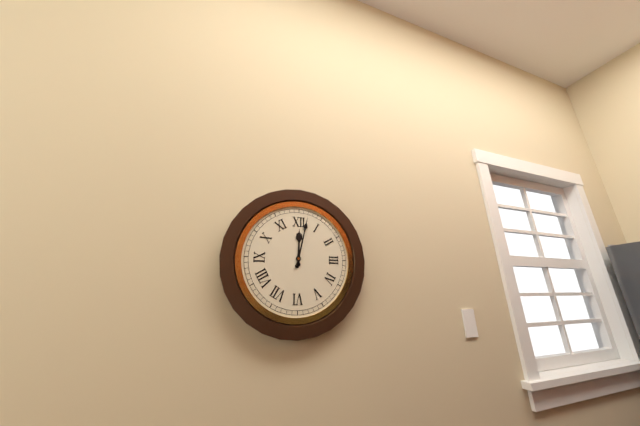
12:02
